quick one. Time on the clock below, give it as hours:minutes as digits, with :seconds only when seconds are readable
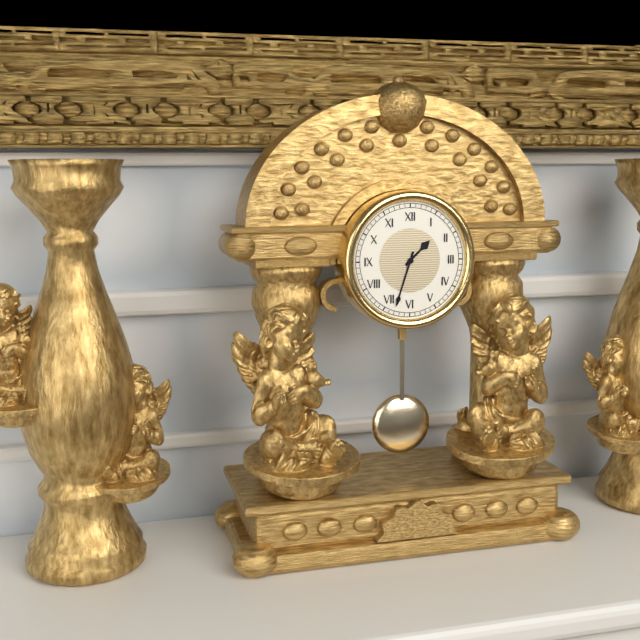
1:33
